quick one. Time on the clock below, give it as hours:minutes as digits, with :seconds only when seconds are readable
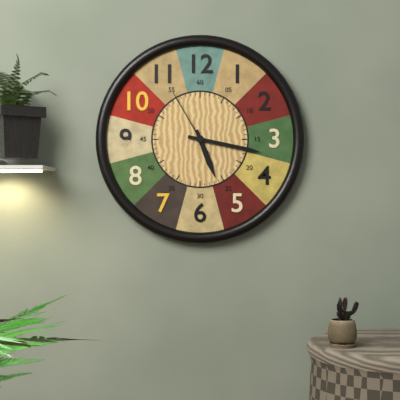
5:17:55
